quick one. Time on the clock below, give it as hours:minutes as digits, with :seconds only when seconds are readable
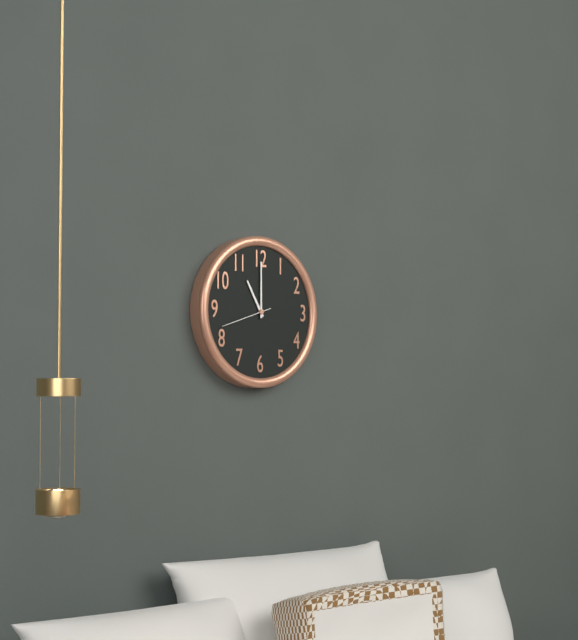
11:00
